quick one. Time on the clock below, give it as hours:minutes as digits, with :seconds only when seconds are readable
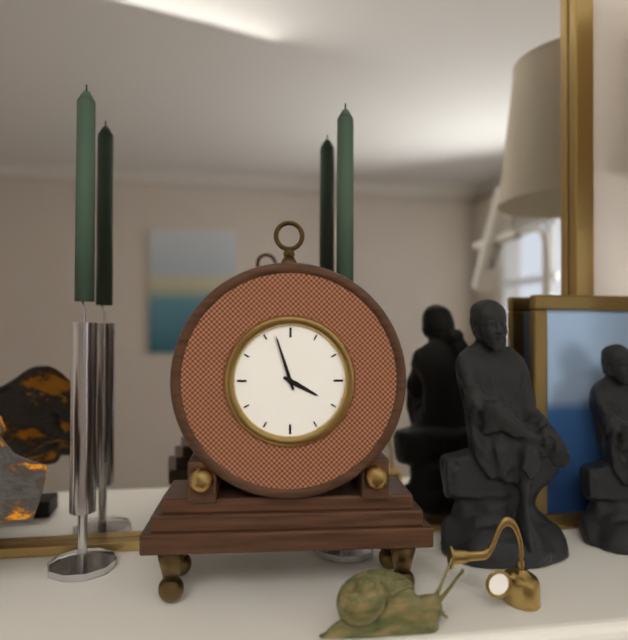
3:57
